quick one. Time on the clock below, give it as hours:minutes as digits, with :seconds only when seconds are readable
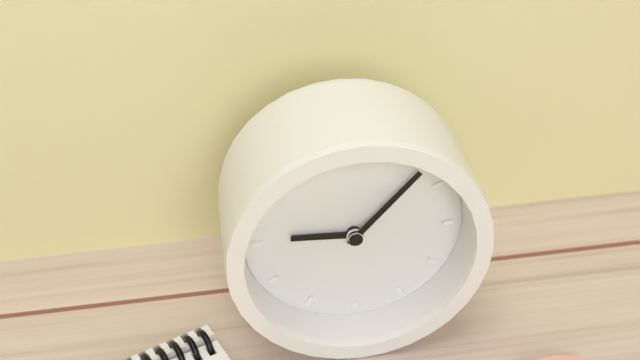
9:07
